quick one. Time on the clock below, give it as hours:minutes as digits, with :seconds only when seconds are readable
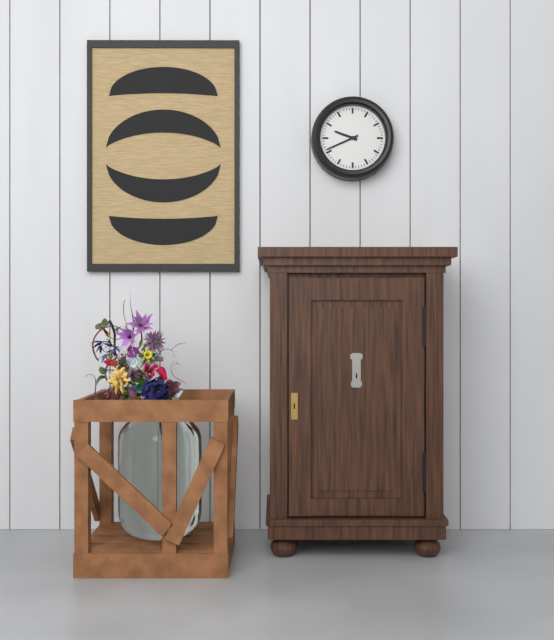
9:41
